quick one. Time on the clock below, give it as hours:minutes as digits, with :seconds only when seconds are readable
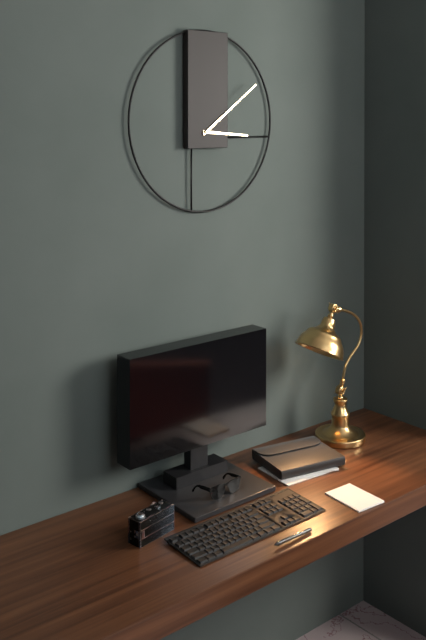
3:09
